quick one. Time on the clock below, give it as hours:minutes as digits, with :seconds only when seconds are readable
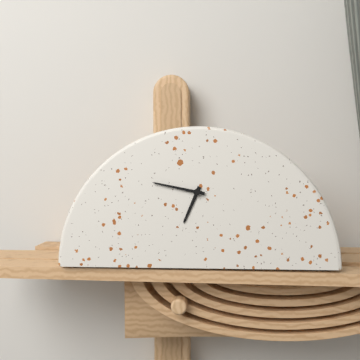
6:47
